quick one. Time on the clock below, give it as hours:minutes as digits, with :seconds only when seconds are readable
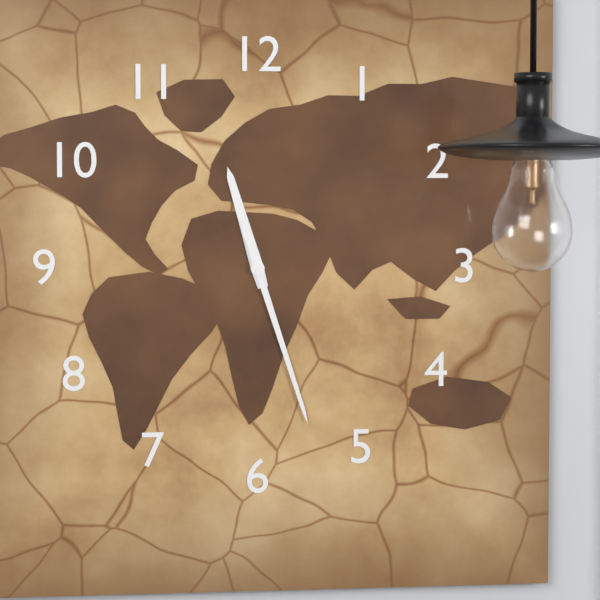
11:27
